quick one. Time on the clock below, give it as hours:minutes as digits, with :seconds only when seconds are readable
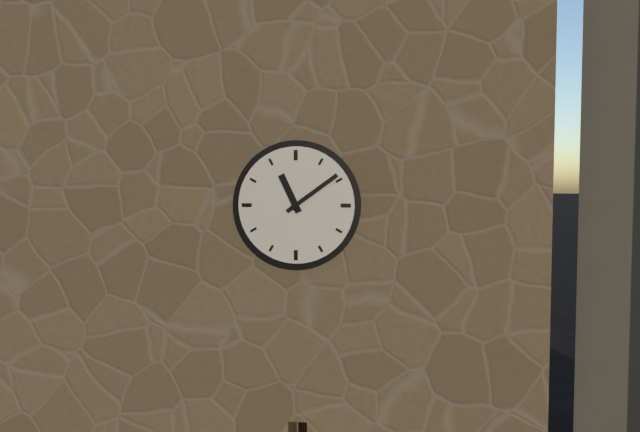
11:09
